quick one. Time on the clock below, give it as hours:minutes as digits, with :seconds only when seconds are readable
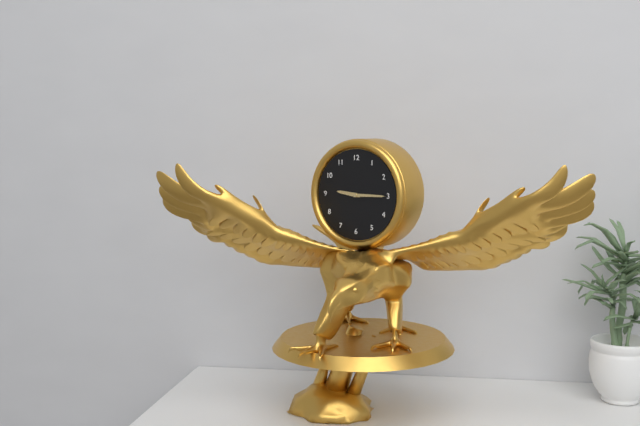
9:15
